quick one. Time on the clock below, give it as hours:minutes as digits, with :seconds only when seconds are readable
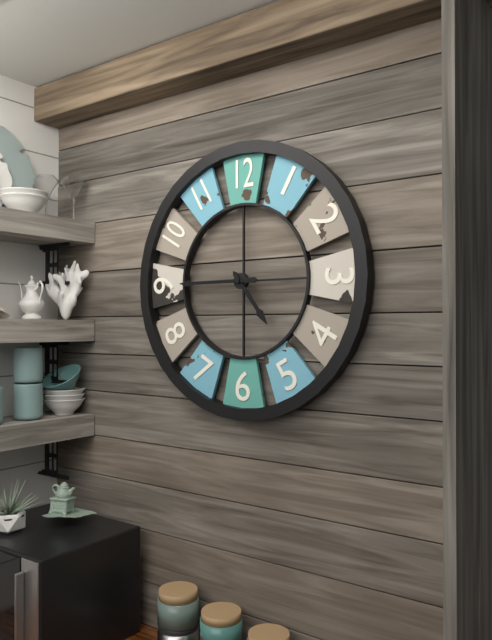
4:45
